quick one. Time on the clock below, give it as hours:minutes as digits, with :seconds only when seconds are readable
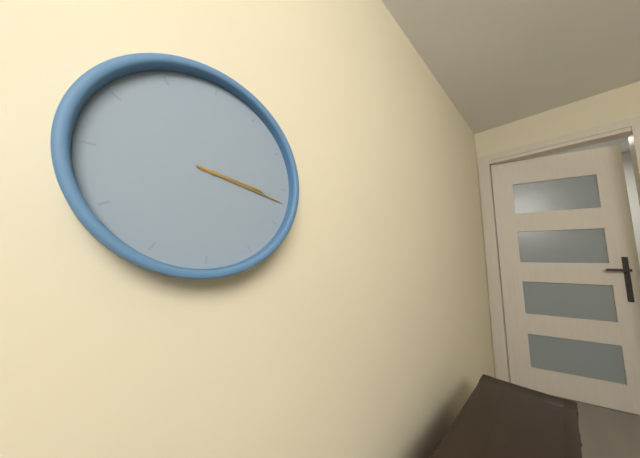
3:17
